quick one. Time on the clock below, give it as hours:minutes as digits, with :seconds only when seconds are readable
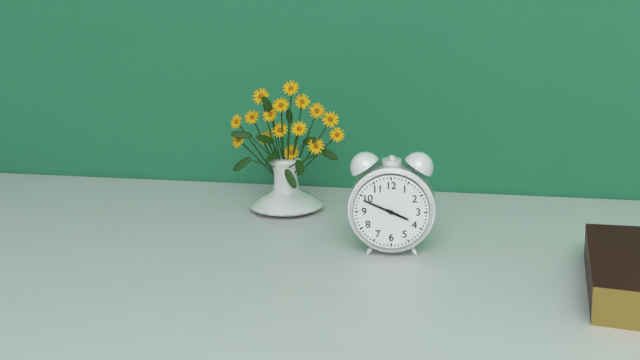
3:49
